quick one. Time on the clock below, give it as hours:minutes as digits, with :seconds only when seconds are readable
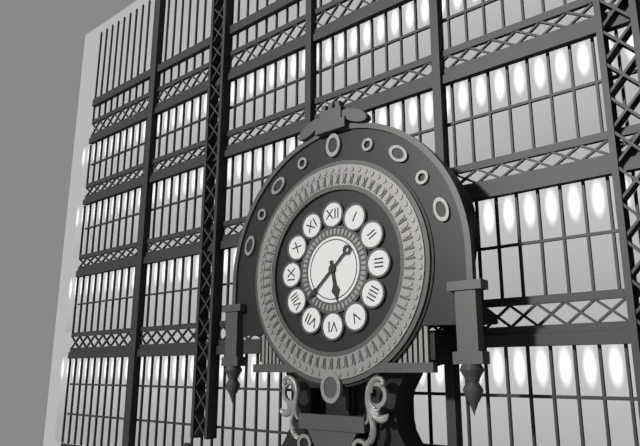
5:38
